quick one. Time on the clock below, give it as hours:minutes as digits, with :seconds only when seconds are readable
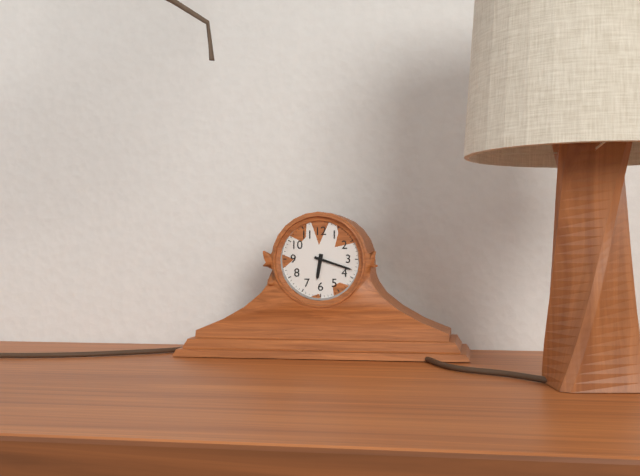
6:18
